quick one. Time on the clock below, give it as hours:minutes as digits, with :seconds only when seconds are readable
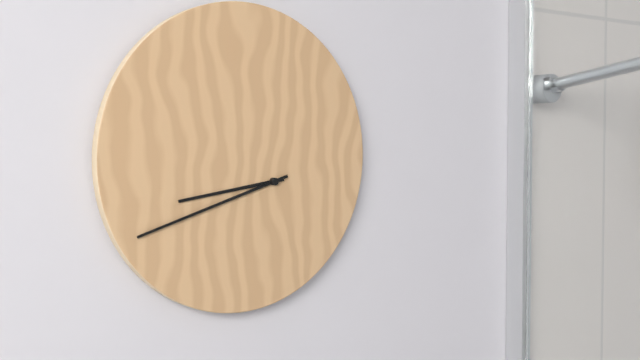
8:42
